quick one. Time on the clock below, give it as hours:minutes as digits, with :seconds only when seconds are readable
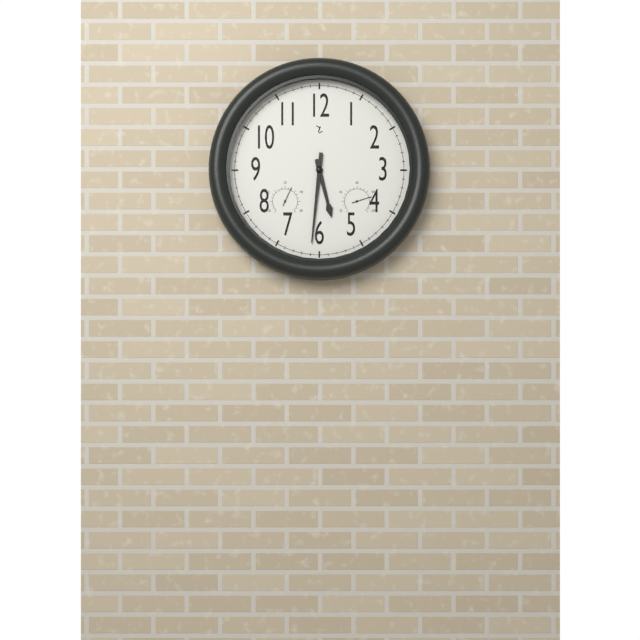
5:31
